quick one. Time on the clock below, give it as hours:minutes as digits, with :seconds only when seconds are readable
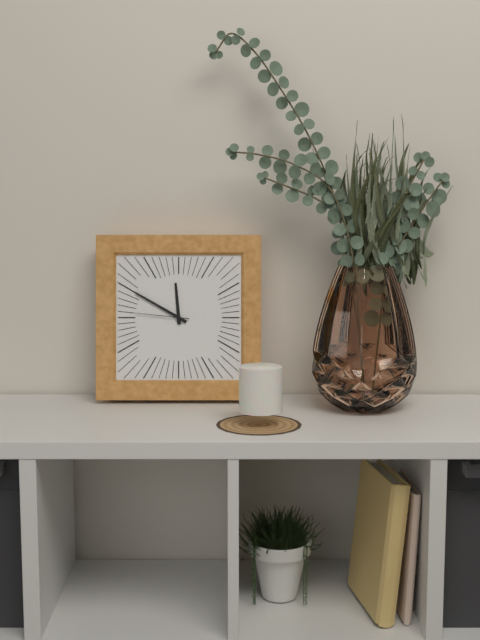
11:50:46
